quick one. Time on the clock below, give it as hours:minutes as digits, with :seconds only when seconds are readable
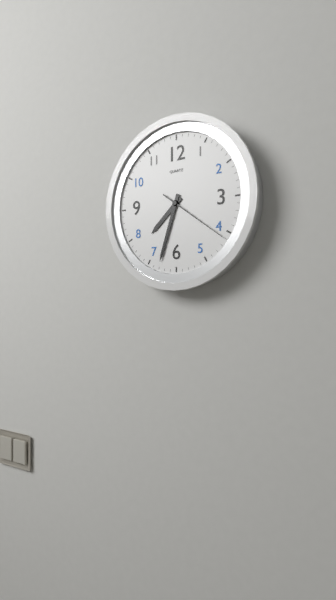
7:33:21
